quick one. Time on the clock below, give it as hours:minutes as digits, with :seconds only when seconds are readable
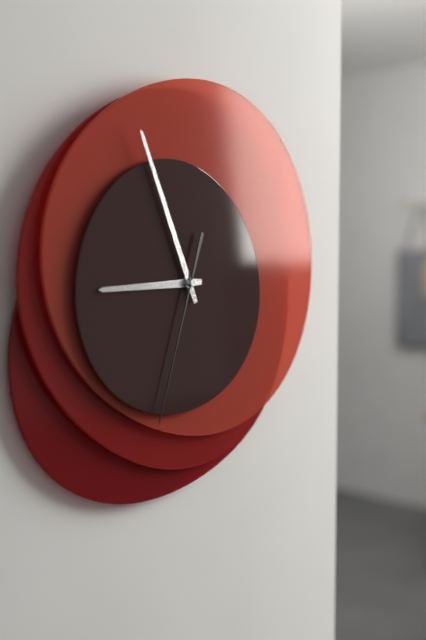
8:56:33
